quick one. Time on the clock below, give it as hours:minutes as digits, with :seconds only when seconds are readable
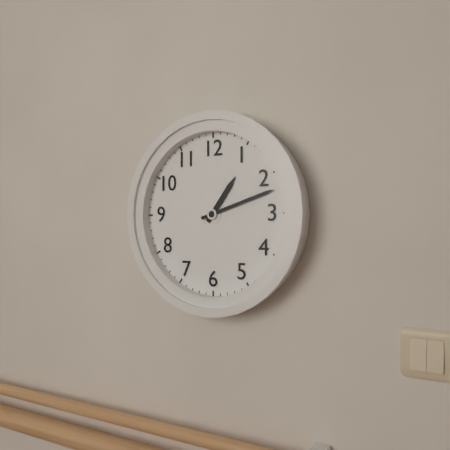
1:12
